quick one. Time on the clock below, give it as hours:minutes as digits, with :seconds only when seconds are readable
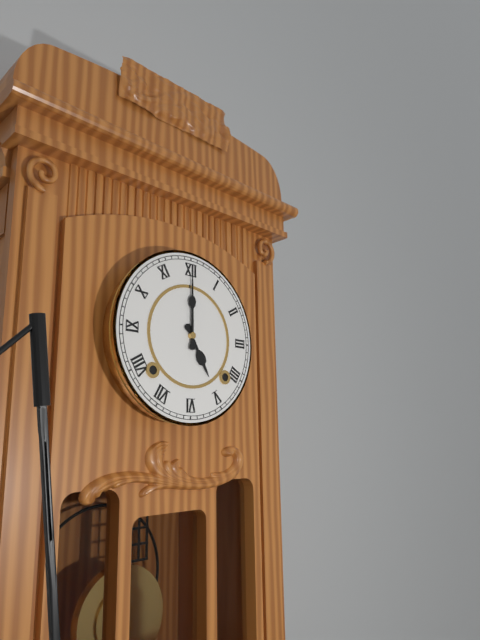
5:00
